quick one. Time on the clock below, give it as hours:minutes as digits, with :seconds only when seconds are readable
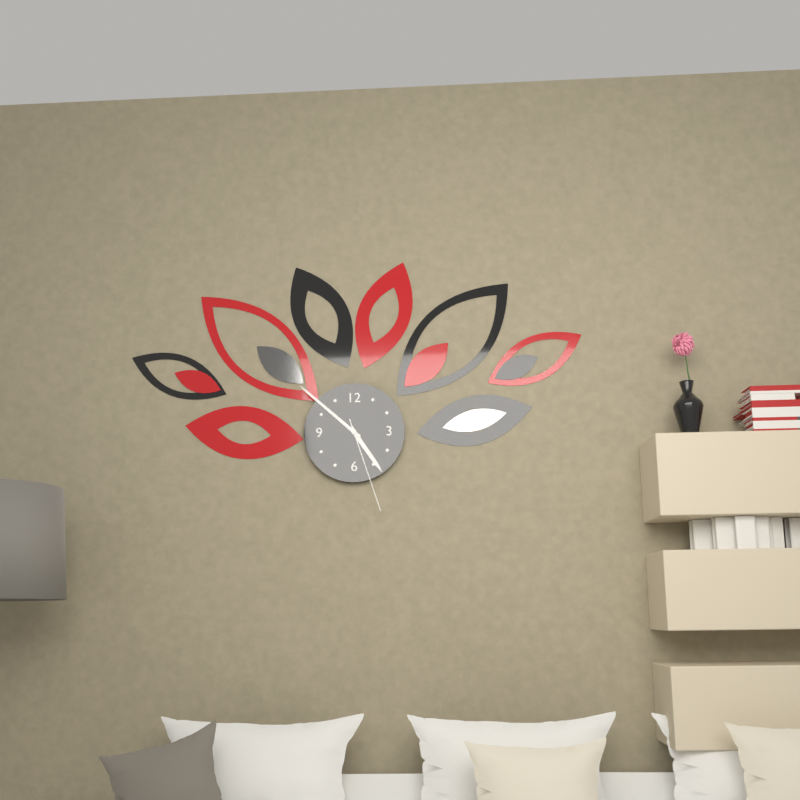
4:52:27
